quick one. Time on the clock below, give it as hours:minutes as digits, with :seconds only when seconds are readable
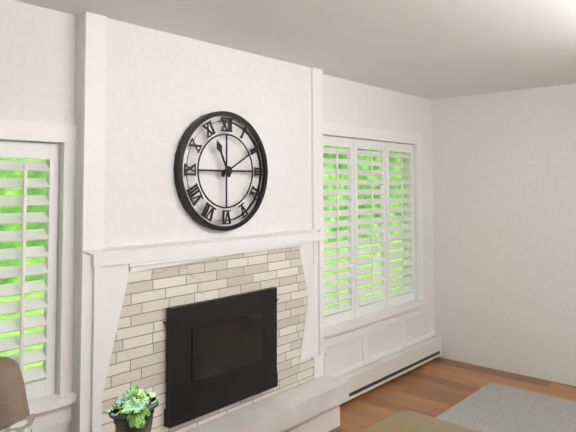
11:10
